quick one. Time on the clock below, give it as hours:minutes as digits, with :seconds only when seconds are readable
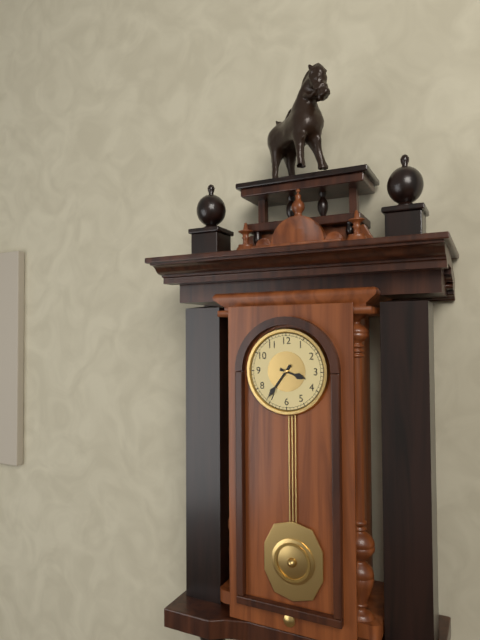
3:36
